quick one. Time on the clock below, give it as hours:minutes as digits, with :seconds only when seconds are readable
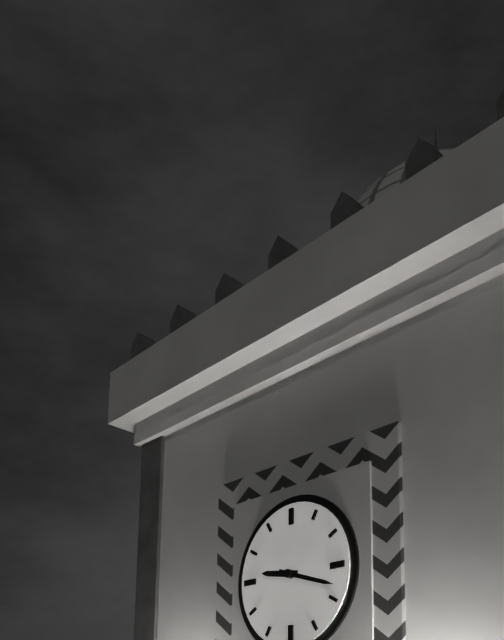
9:18
